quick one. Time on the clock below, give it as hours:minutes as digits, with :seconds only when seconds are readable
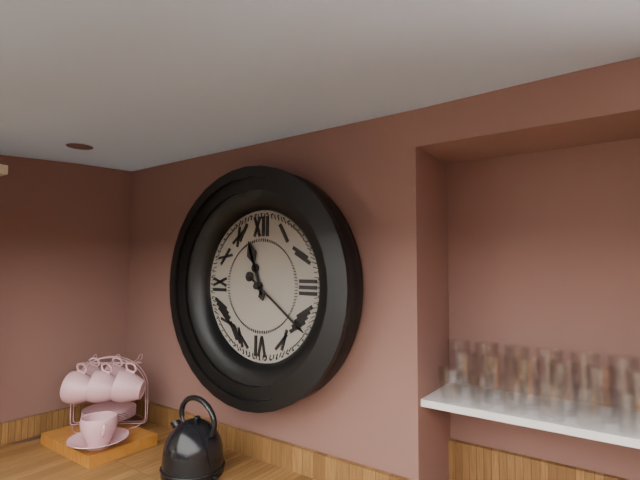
11:21
